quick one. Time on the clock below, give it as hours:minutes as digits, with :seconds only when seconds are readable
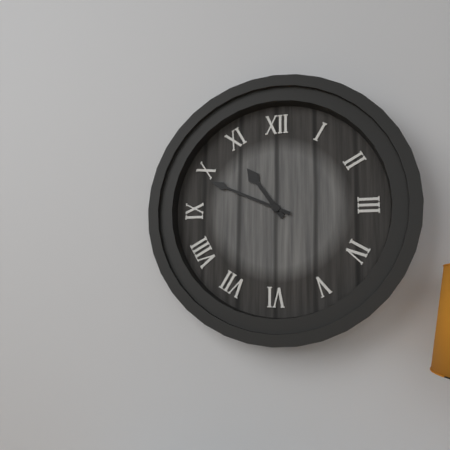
10:49
